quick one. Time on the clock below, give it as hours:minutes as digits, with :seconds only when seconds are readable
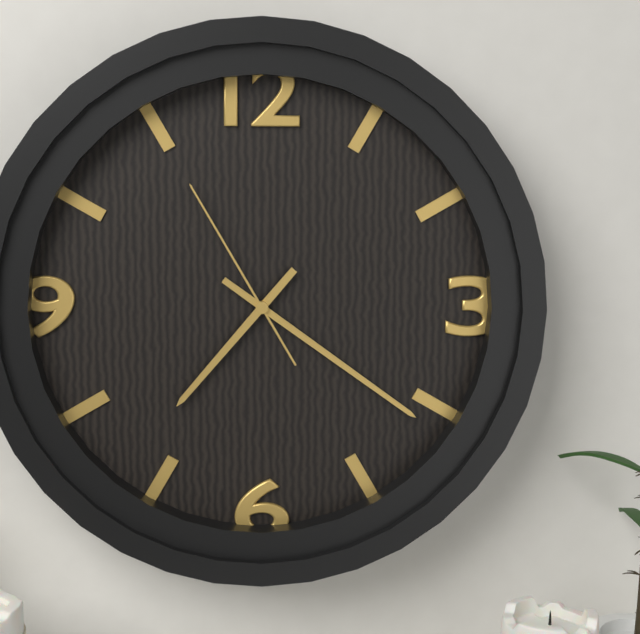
7:21:55
